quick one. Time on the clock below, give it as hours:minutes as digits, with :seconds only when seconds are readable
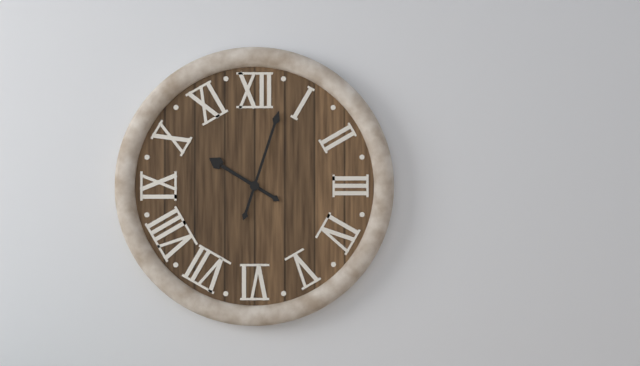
10:03
